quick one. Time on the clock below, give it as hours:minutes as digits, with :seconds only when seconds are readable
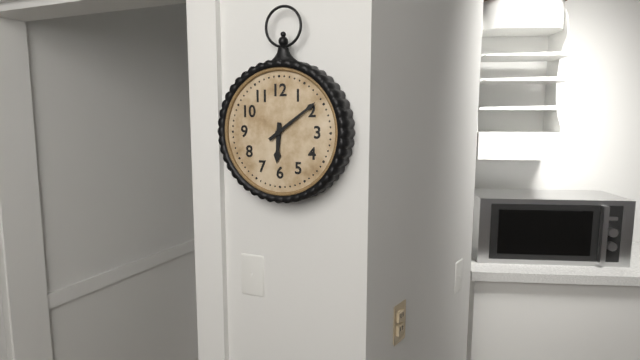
6:09
